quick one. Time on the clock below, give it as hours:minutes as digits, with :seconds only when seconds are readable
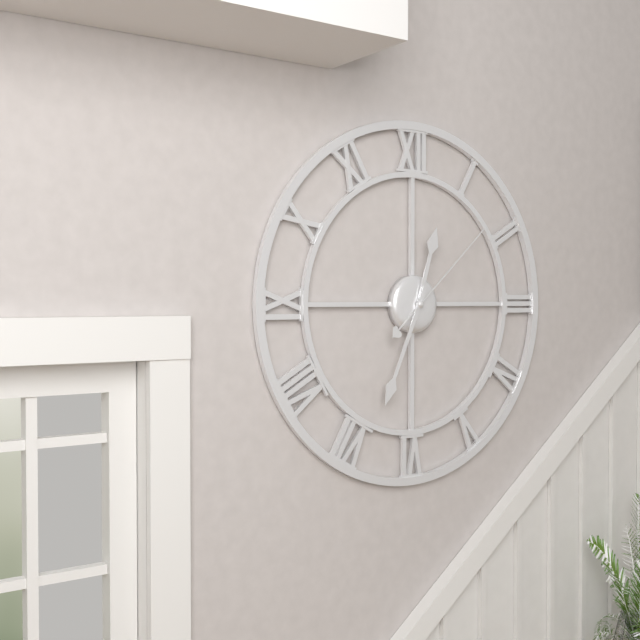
12:34:08
